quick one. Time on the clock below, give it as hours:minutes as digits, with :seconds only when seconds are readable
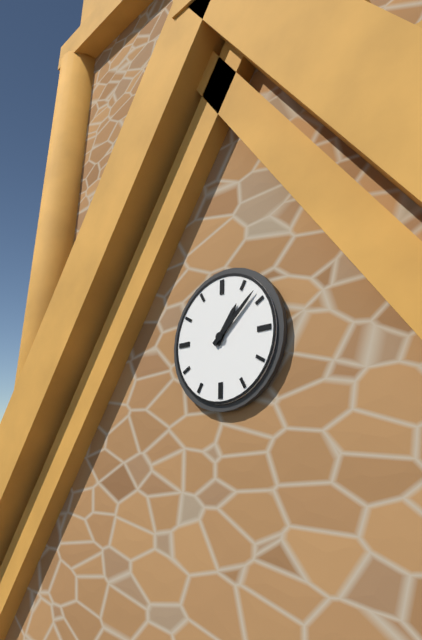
1:08
